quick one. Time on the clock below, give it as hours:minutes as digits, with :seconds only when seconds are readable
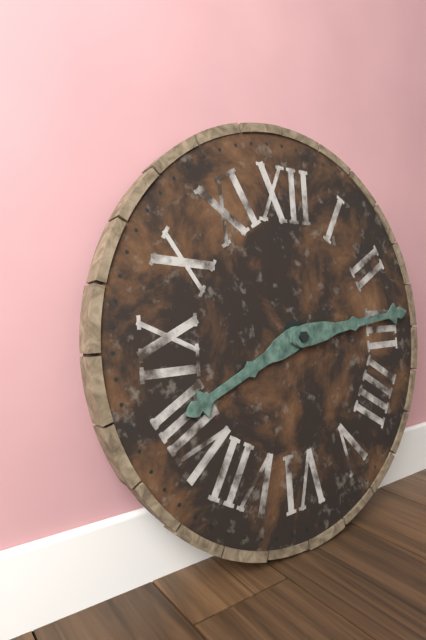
8:14
